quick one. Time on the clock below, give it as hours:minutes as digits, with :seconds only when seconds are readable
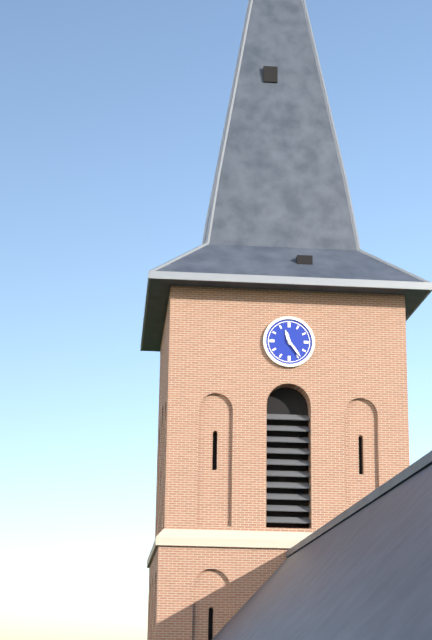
11:24
